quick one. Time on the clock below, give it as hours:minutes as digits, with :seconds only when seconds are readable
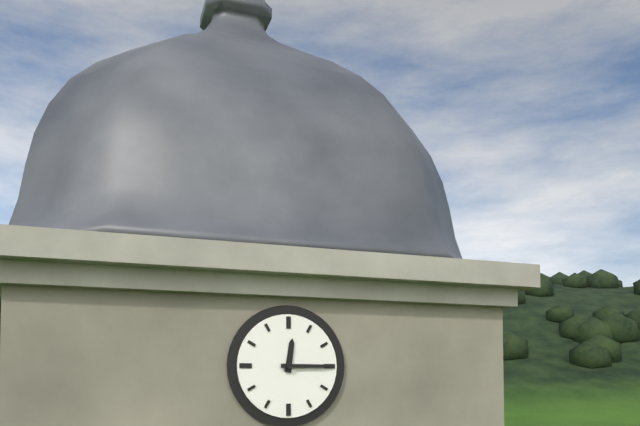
12:15
